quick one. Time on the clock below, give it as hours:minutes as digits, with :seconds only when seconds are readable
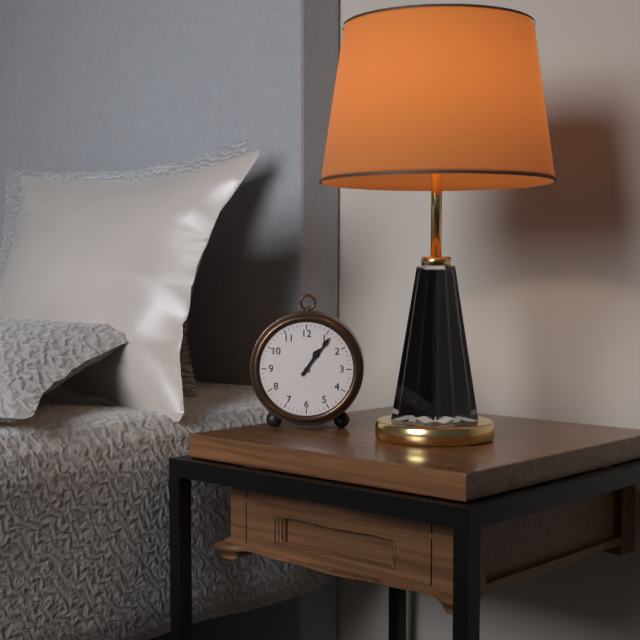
1:06
